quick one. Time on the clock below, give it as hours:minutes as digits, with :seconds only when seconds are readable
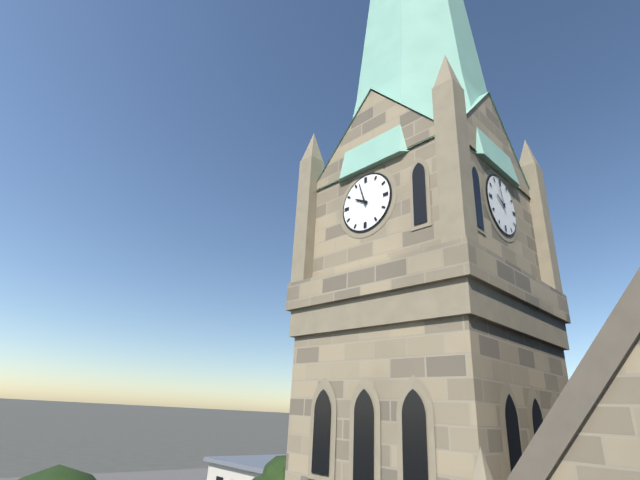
9:57
